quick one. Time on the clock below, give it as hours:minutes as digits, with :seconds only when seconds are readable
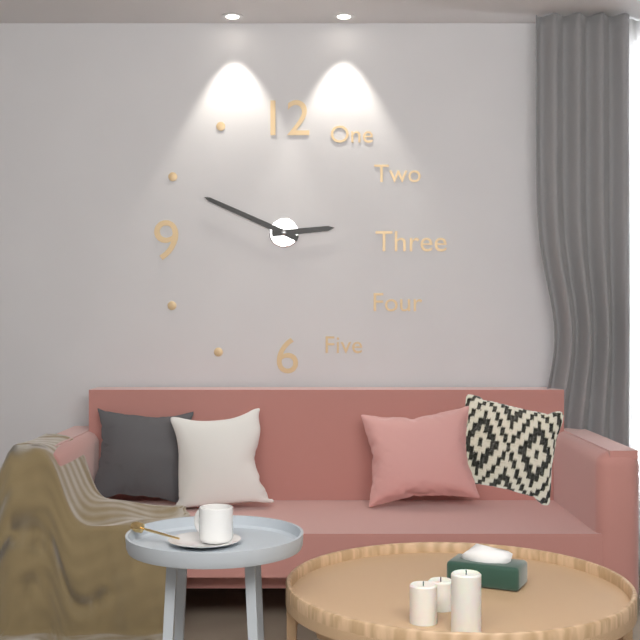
2:49
